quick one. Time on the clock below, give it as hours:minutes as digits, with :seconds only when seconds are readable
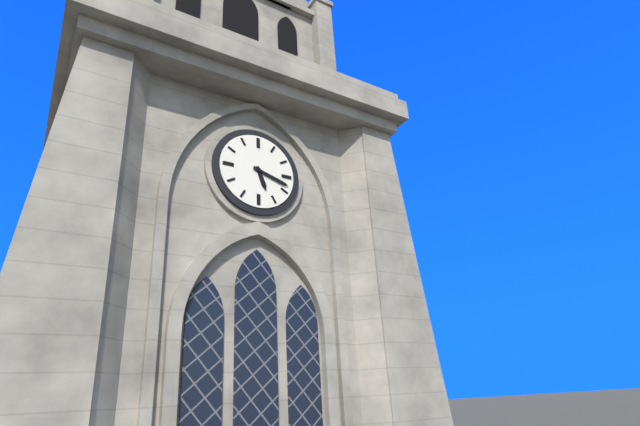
5:18
